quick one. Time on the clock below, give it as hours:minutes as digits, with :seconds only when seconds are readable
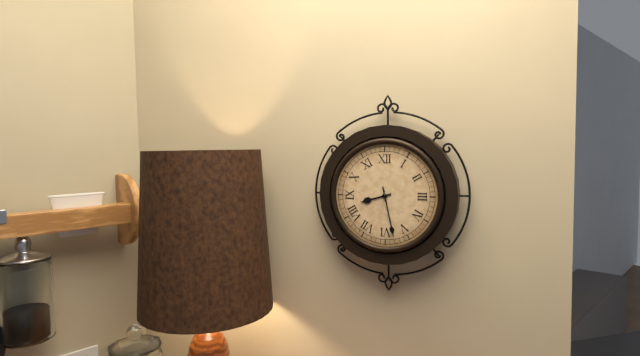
8:28
